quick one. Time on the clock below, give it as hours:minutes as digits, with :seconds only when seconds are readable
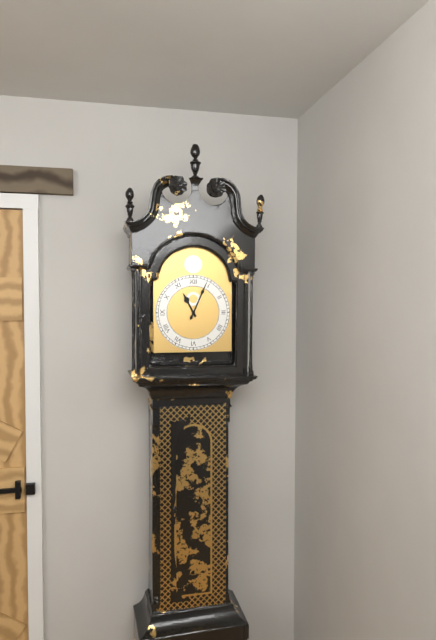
11:04
